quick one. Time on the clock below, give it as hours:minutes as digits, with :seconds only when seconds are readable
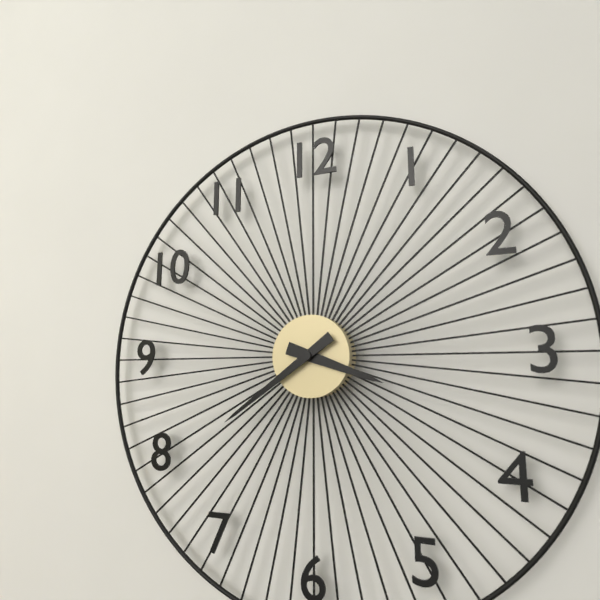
3:39
